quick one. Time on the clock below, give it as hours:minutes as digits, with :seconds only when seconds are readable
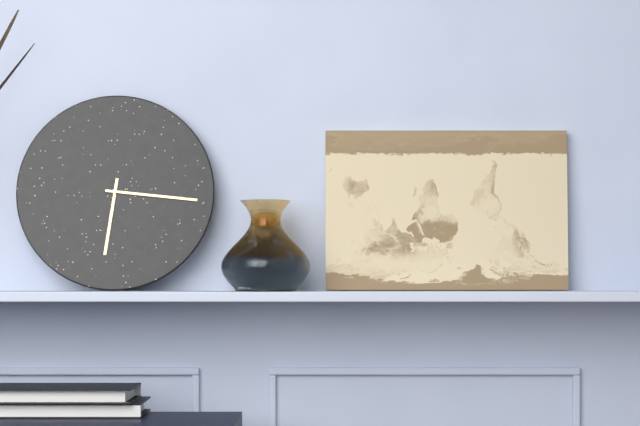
6:16
